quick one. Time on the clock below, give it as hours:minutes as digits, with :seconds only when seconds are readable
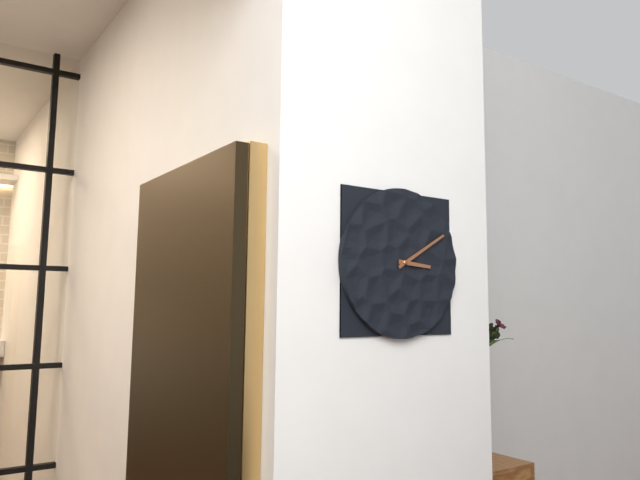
3:10
